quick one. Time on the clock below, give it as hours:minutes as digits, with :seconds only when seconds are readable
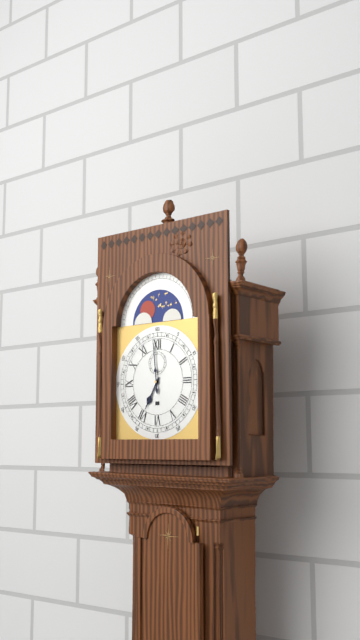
6:59
